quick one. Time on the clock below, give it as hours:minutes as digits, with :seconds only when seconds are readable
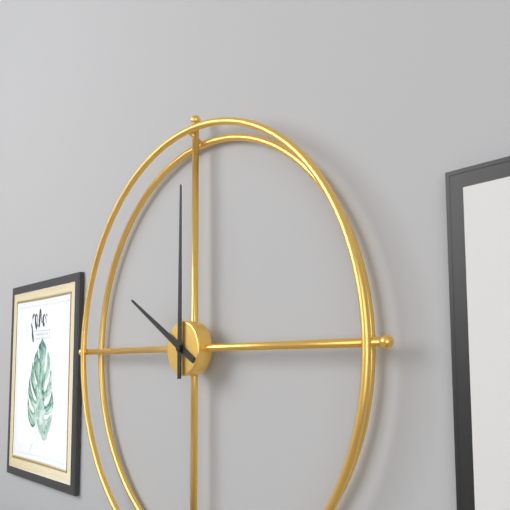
10:00
